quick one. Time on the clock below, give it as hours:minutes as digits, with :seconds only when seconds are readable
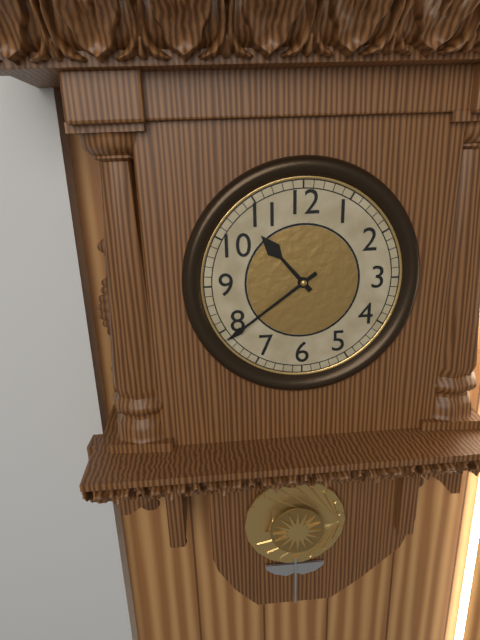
10:39
